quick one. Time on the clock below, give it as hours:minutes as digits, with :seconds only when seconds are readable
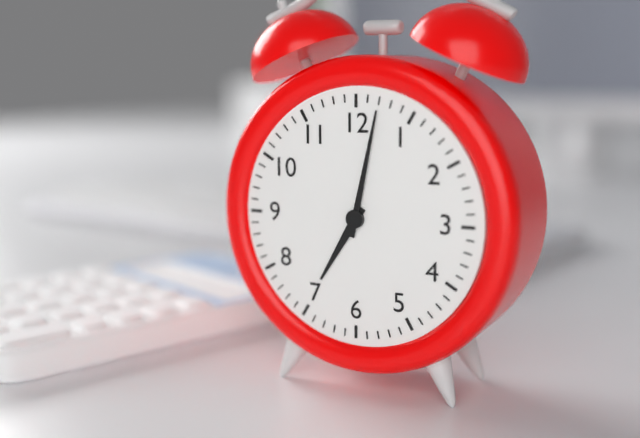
7:02
